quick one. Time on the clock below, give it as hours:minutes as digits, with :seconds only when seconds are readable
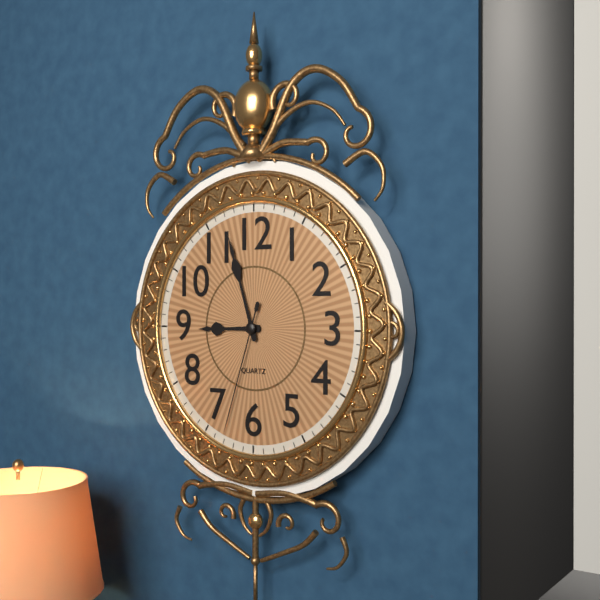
8:57:33
